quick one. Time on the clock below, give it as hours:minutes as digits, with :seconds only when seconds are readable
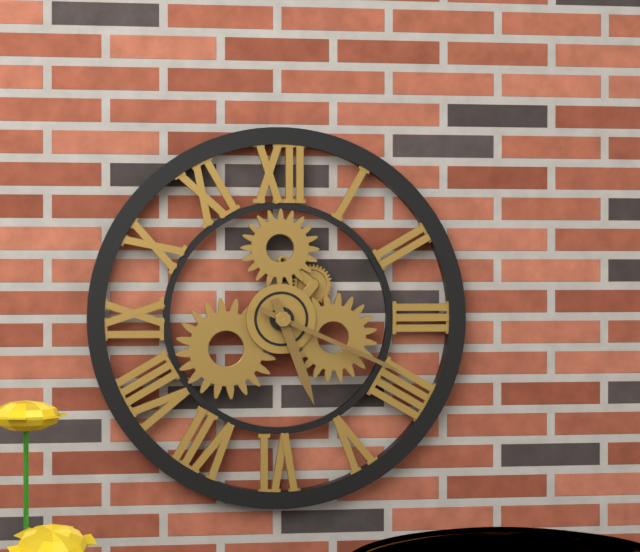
5:19
